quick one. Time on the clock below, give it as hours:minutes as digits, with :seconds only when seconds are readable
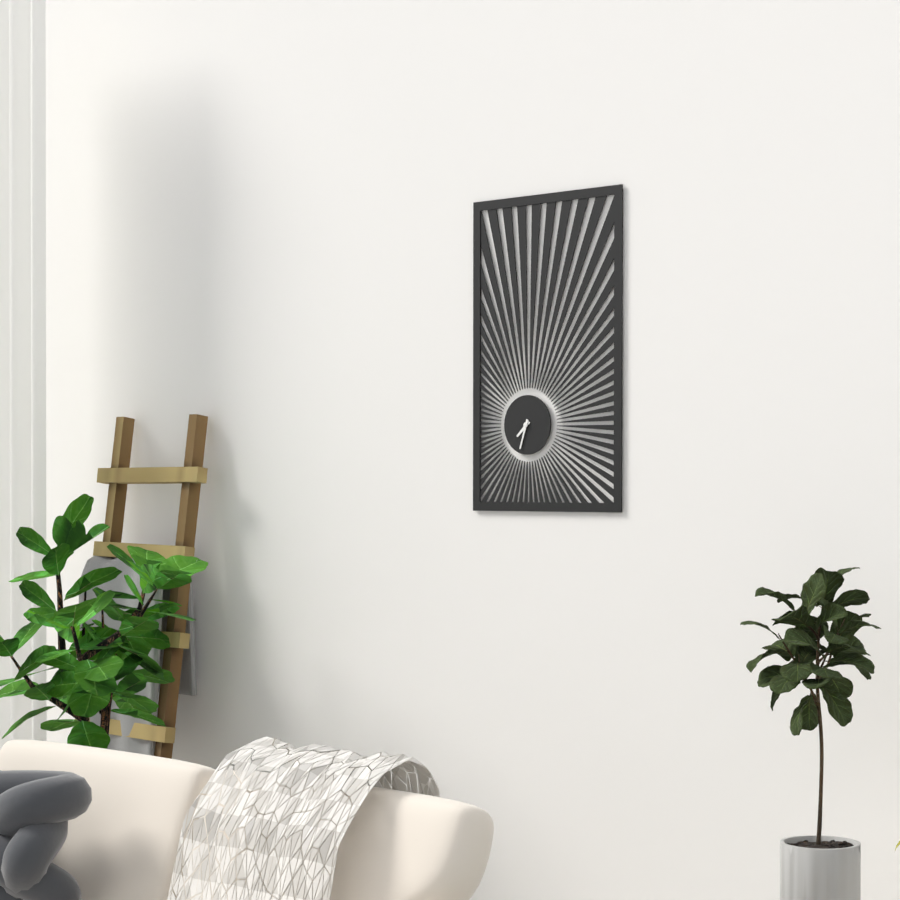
7:33
